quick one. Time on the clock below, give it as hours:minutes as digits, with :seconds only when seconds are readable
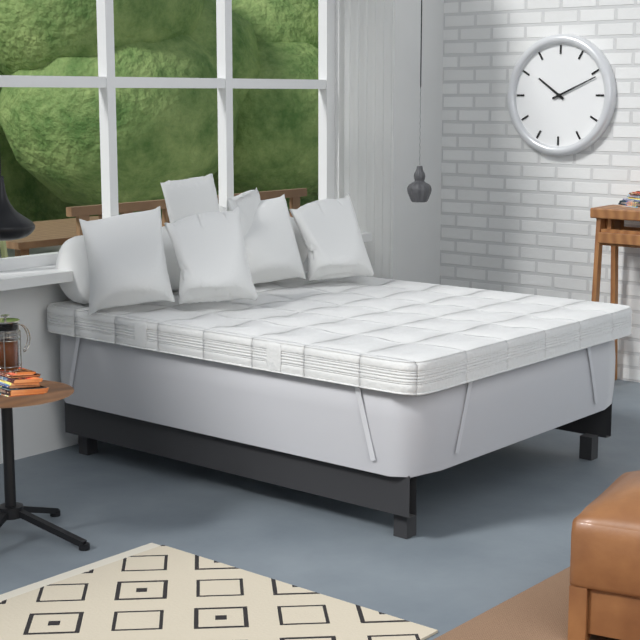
10:11
